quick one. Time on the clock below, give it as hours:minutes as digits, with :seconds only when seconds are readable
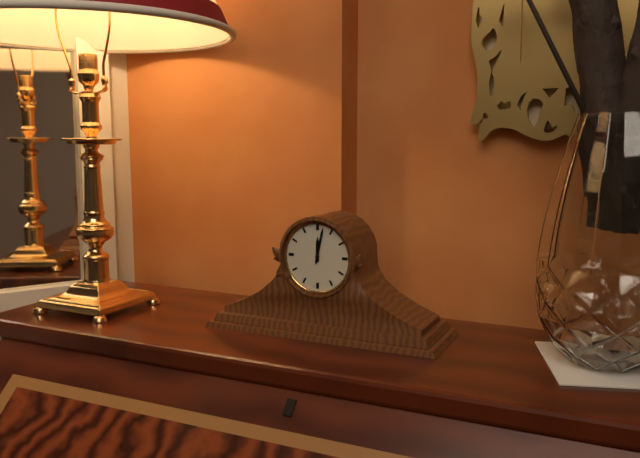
12:02
